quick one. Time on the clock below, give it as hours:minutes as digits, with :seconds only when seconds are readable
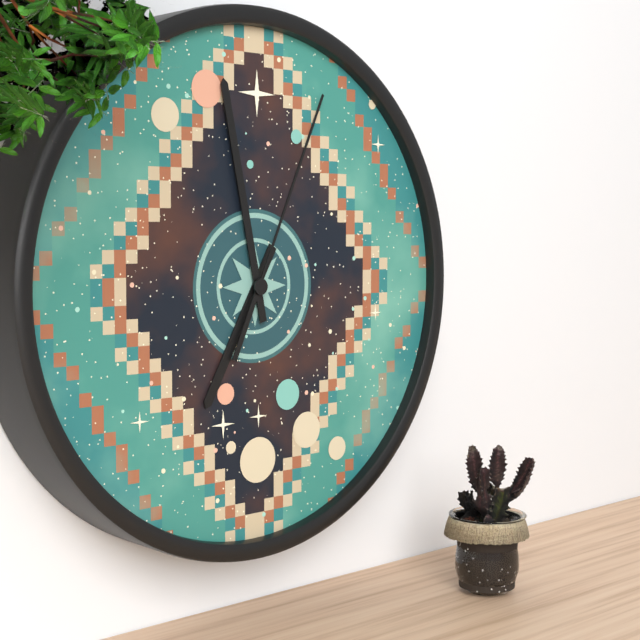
6:58:04
